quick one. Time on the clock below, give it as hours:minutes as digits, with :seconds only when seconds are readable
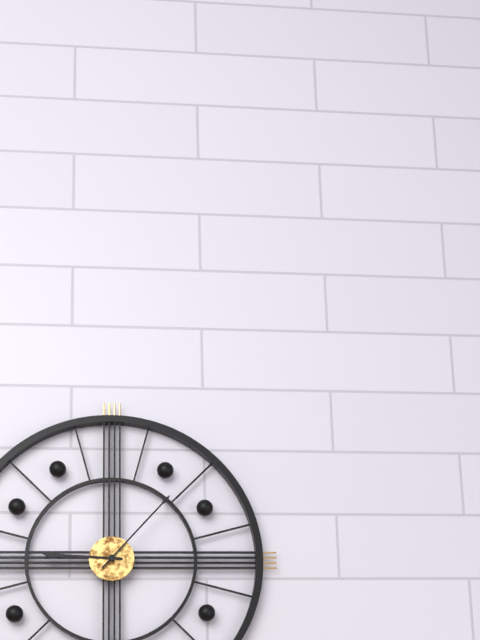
9:07
